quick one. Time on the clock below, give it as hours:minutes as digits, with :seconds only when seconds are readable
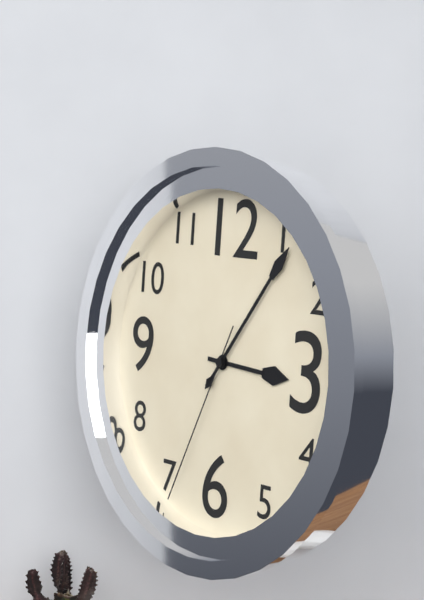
3:06:34
